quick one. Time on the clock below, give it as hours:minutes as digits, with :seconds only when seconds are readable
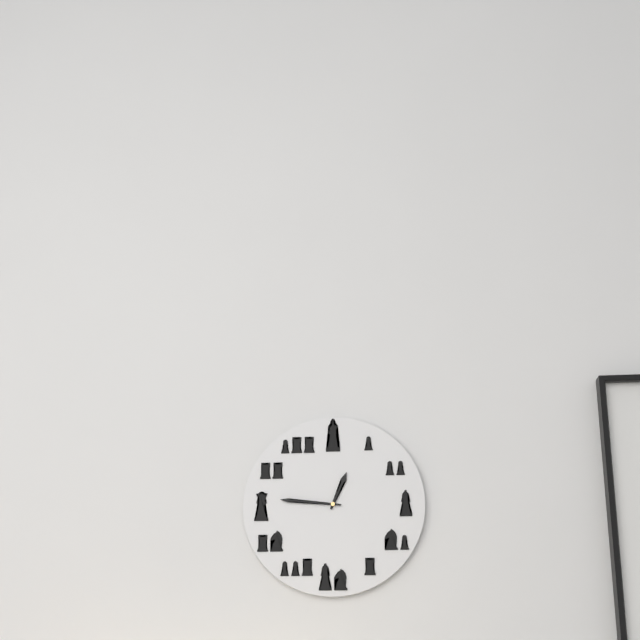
12:46
